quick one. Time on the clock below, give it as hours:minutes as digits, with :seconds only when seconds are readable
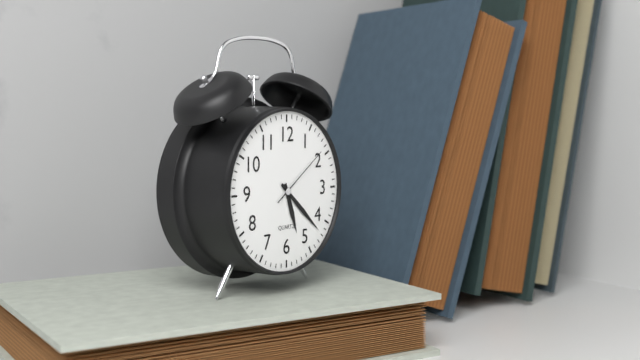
5:22:09
